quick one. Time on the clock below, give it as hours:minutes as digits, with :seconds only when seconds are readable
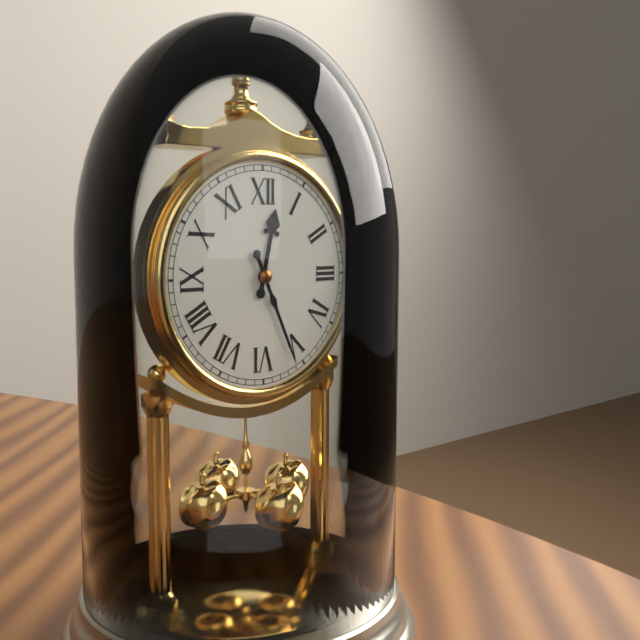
12:26
